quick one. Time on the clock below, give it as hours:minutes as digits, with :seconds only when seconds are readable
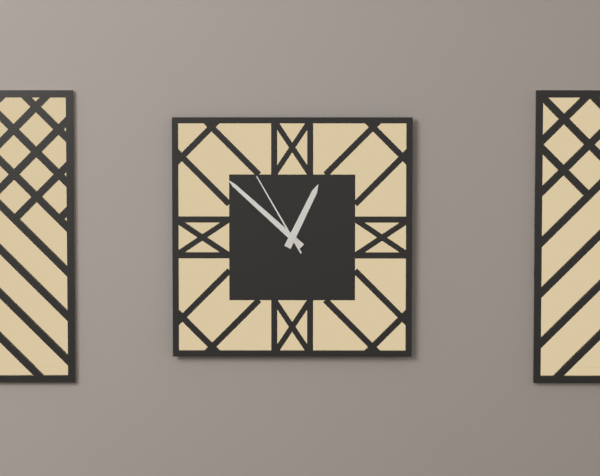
12:52:55
